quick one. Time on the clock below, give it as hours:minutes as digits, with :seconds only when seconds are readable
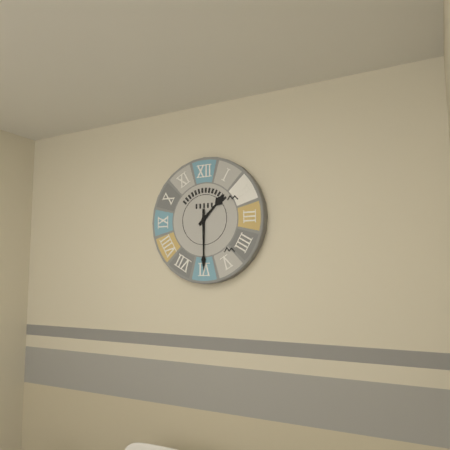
1:30
